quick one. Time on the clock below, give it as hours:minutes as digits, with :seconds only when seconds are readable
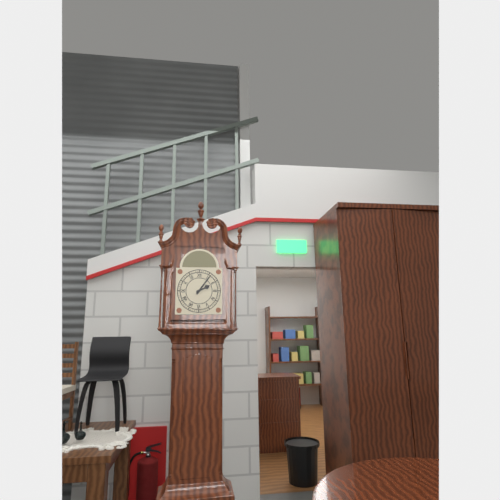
2:06
